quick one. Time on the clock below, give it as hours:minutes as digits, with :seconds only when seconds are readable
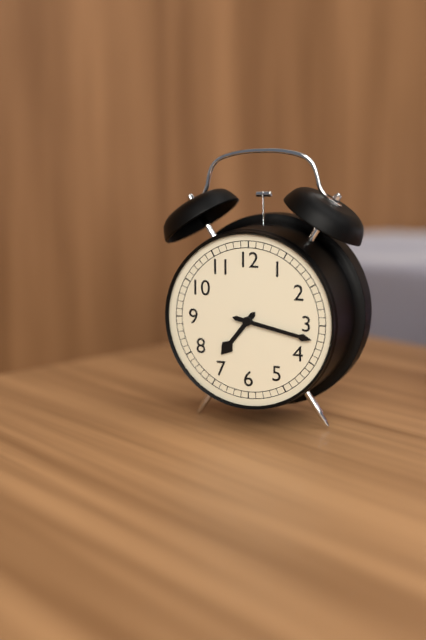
7:17
